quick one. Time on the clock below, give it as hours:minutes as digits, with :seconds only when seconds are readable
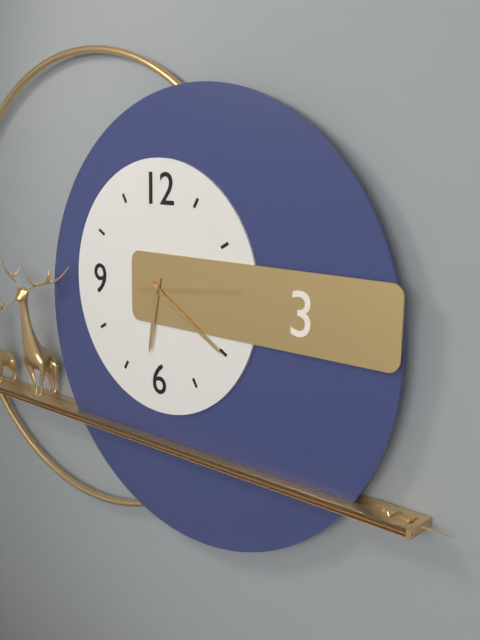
6:20:14
